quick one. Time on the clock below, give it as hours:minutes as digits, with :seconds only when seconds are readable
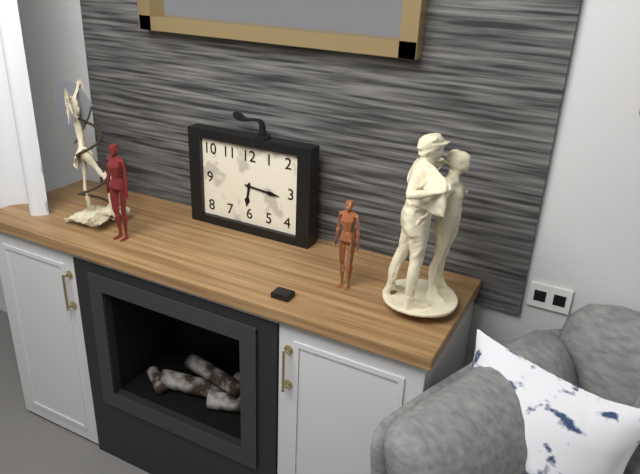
6:16
